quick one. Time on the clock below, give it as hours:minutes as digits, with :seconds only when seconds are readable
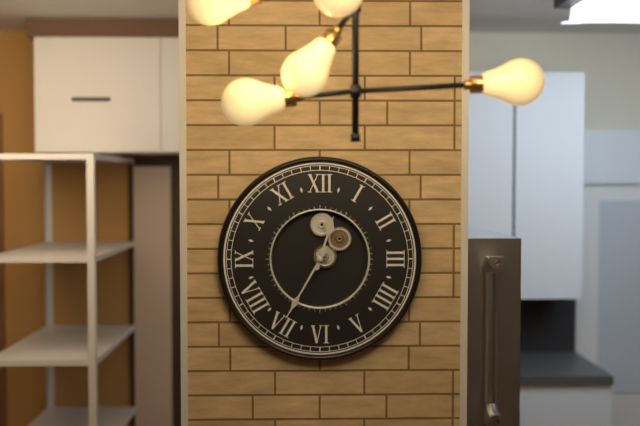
12:35
